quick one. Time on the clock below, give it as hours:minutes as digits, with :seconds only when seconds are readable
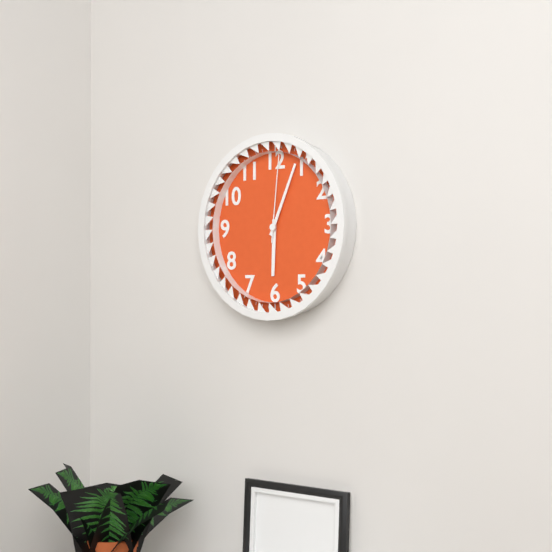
6:04:01
